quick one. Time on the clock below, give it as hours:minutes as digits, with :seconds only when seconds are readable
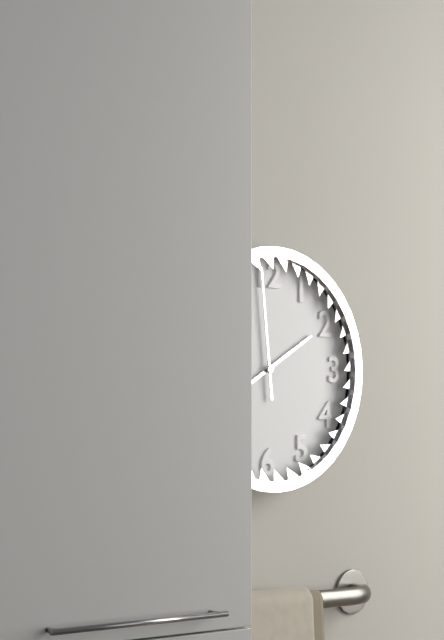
1:59
